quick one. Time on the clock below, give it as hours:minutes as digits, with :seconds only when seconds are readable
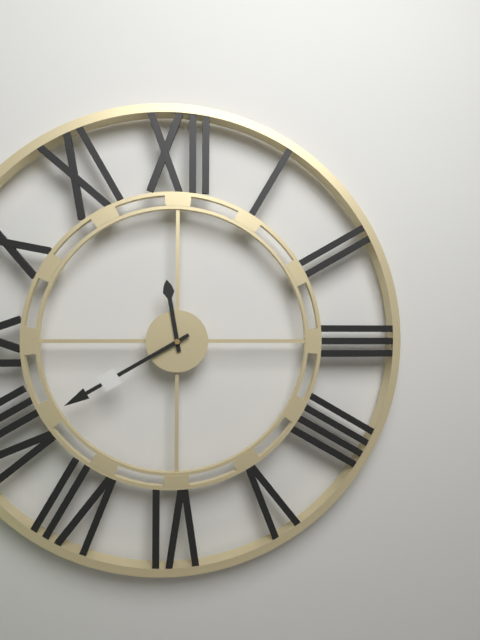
11:40
